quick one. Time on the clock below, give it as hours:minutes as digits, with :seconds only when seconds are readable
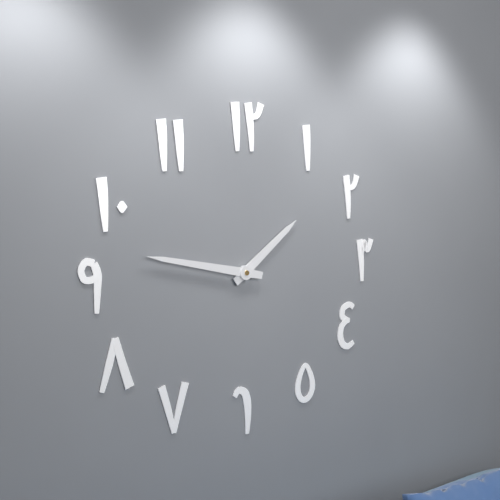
1:47
